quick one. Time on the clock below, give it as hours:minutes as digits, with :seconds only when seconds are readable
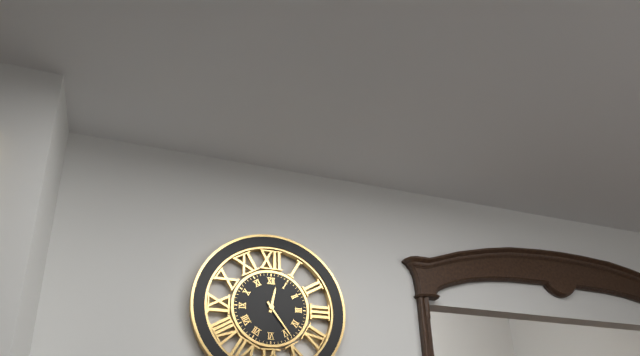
12:24
